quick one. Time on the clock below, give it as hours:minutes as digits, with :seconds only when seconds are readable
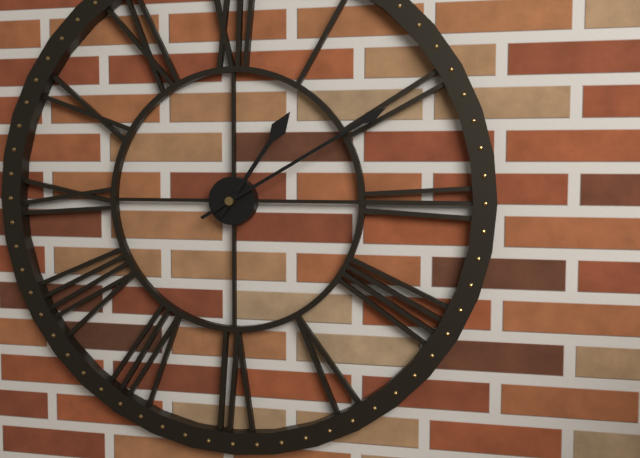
1:10
